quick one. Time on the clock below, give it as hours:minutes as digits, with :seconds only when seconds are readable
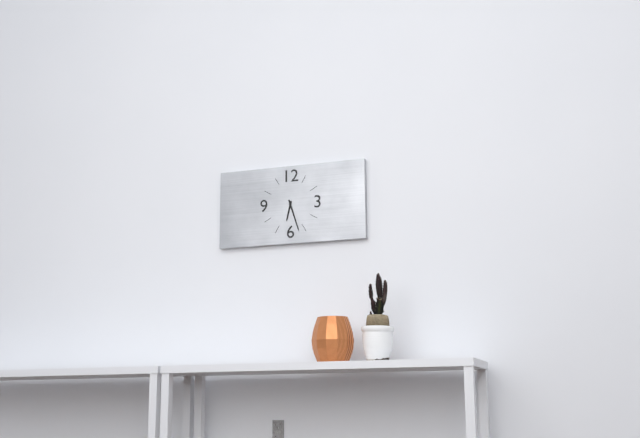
6:27
